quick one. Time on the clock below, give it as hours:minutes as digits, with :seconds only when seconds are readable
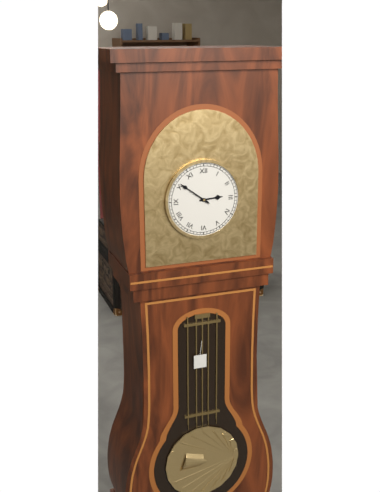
2:51
